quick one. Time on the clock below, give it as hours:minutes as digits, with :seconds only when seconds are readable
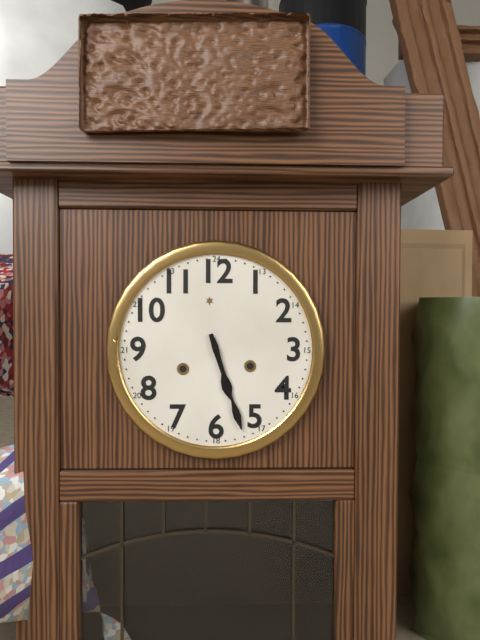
5:27
